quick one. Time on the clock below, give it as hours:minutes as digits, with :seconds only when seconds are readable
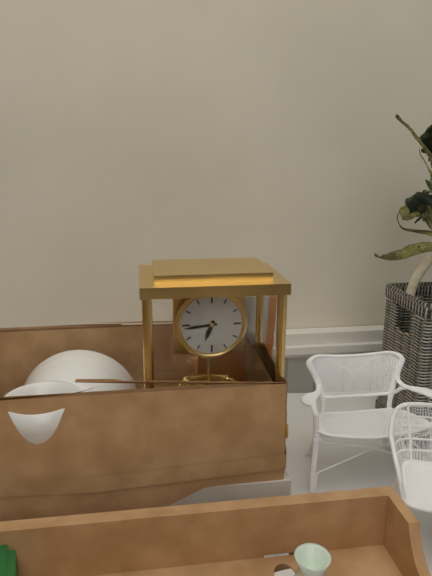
6:44
